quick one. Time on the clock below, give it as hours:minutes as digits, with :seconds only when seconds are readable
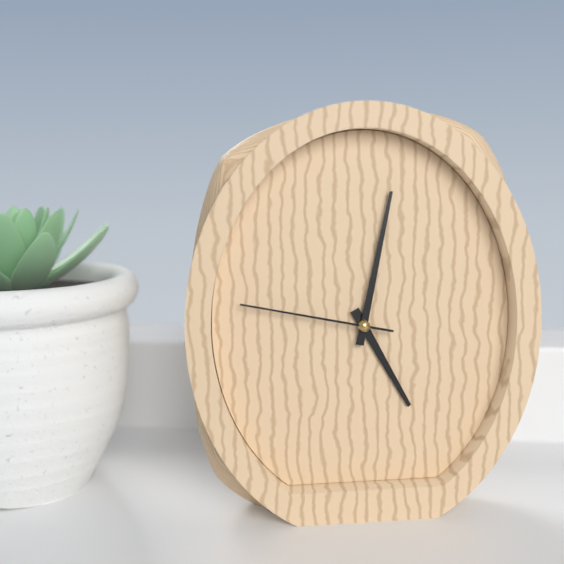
5:02:47
